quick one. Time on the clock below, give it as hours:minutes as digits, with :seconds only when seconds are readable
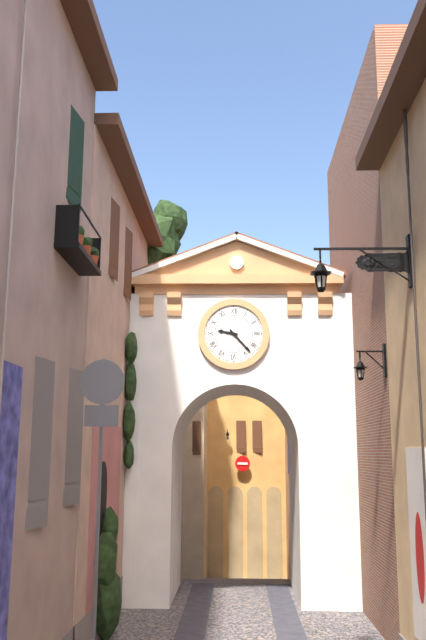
9:23
